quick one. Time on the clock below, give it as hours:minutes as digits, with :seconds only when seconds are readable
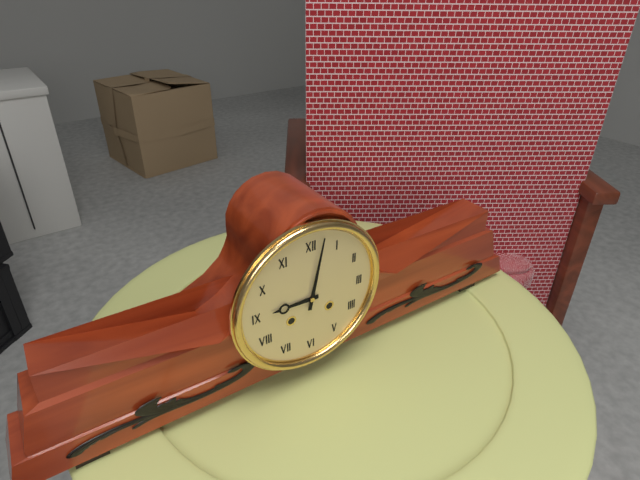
9:02
